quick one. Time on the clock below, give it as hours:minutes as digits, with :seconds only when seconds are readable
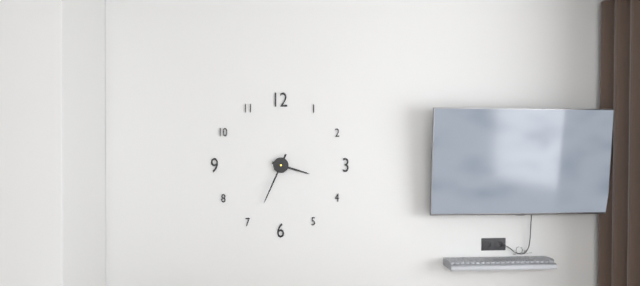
3:34
